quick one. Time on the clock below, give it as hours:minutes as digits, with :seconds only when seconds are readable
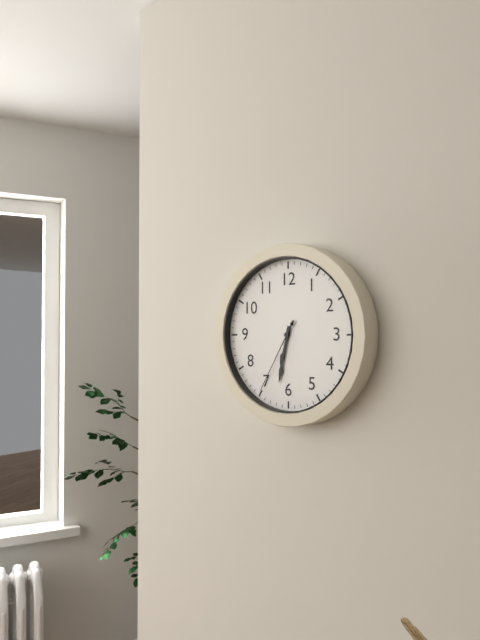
6:32:35
